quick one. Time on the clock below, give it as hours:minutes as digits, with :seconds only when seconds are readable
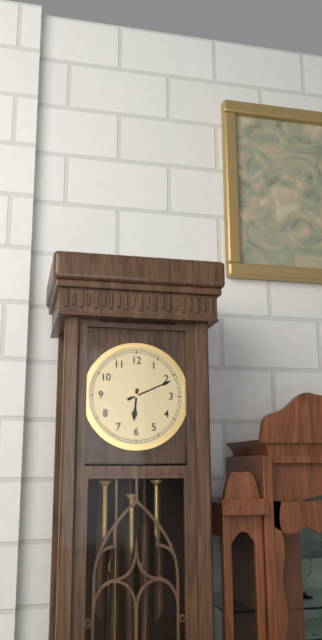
6:11
